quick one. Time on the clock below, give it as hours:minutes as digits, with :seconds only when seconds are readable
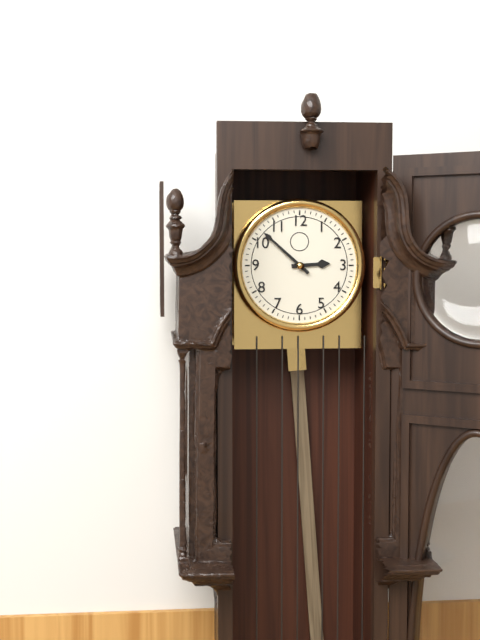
2:52
